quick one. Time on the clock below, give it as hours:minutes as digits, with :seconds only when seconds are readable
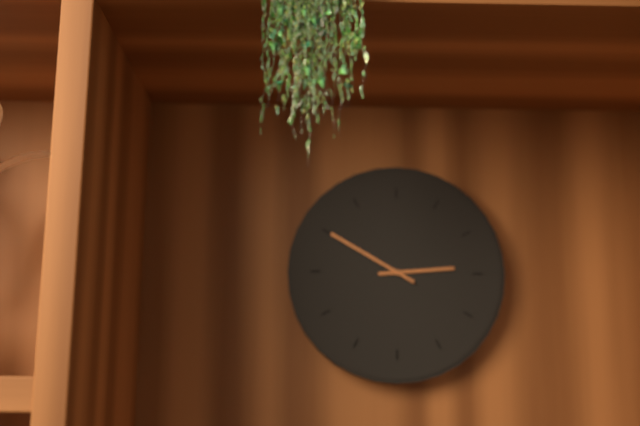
2:50
